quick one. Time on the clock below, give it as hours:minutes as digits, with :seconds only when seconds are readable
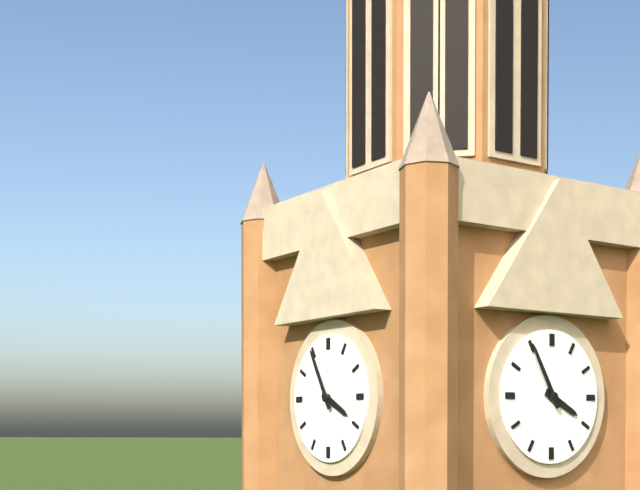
3:55
